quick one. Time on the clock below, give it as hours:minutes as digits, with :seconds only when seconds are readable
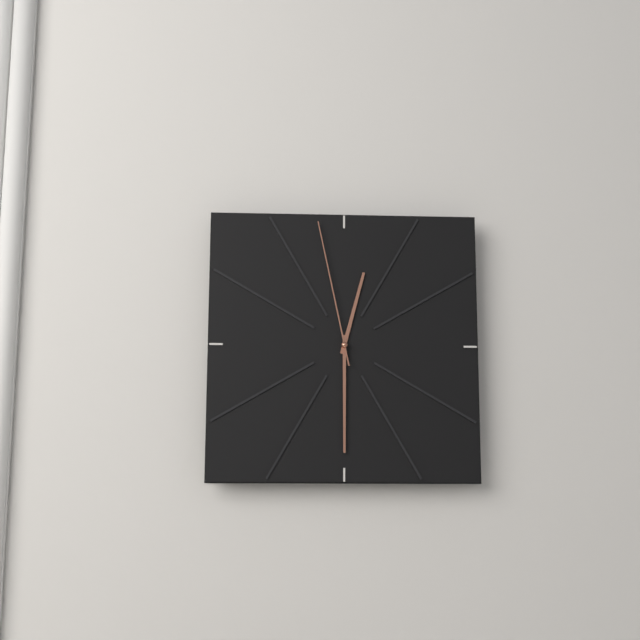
12:30:58
